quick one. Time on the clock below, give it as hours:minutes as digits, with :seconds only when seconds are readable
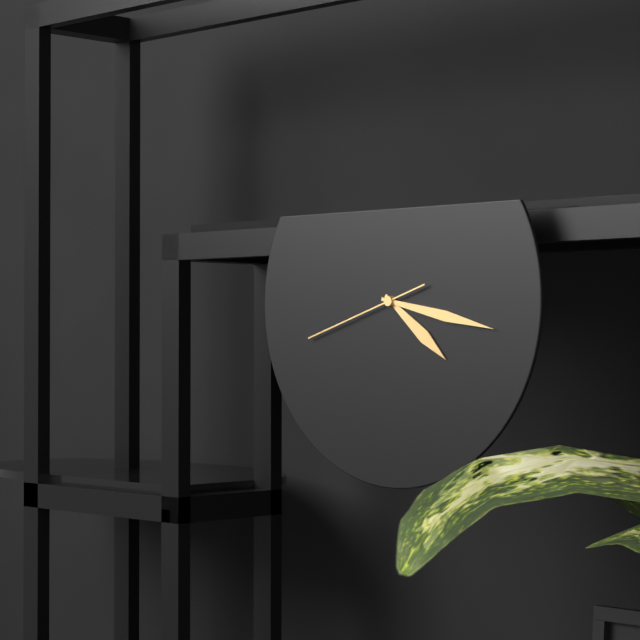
4:17:42
